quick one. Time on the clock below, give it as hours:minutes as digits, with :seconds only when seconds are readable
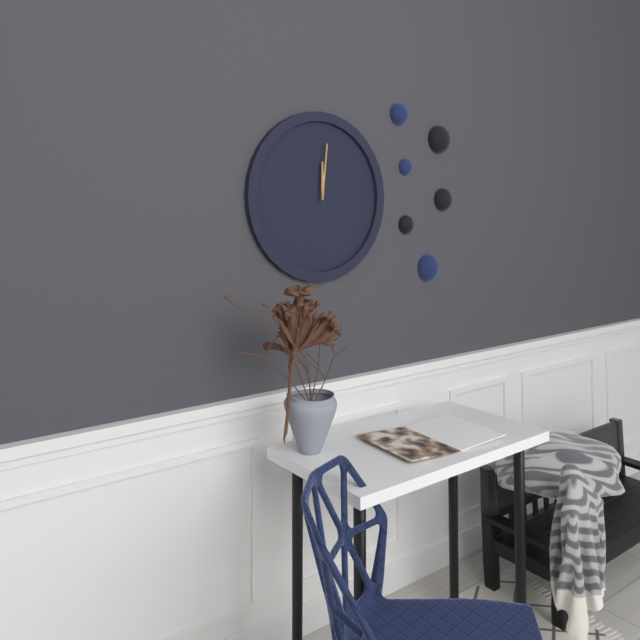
12:01
